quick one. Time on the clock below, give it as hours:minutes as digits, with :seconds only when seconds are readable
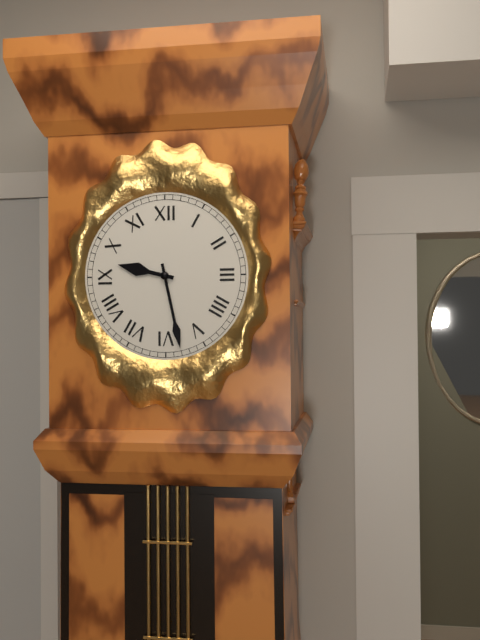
9:28
